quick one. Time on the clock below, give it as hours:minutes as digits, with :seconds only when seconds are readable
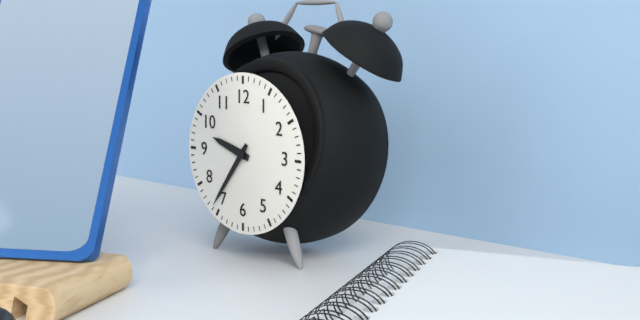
9:36
